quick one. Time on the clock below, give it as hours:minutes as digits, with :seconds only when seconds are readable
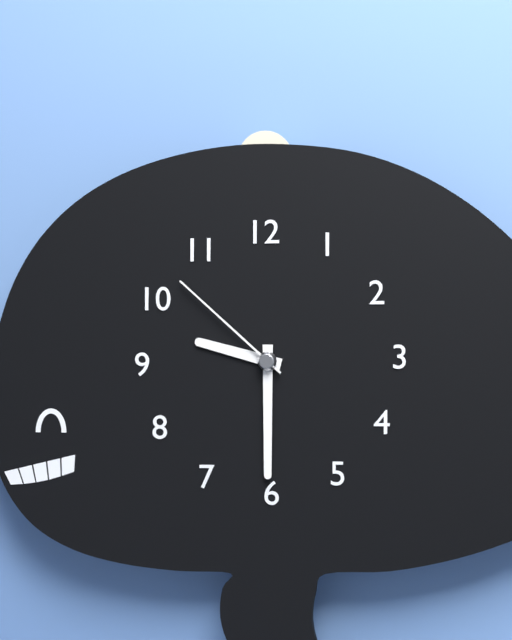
9:30:52
